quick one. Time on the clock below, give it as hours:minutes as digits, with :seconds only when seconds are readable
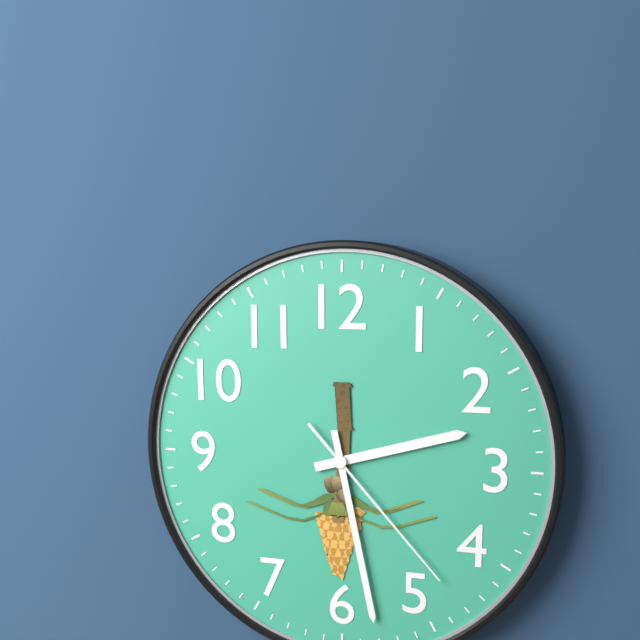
2:28:23
